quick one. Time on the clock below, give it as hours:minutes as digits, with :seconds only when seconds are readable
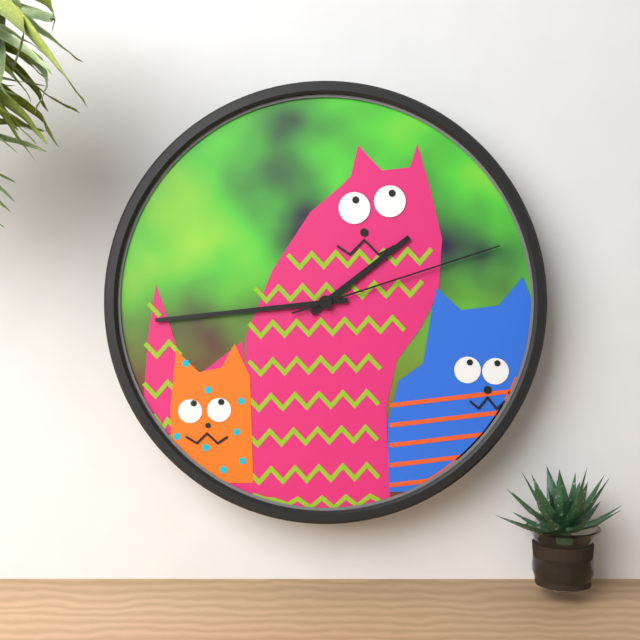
1:44:12
